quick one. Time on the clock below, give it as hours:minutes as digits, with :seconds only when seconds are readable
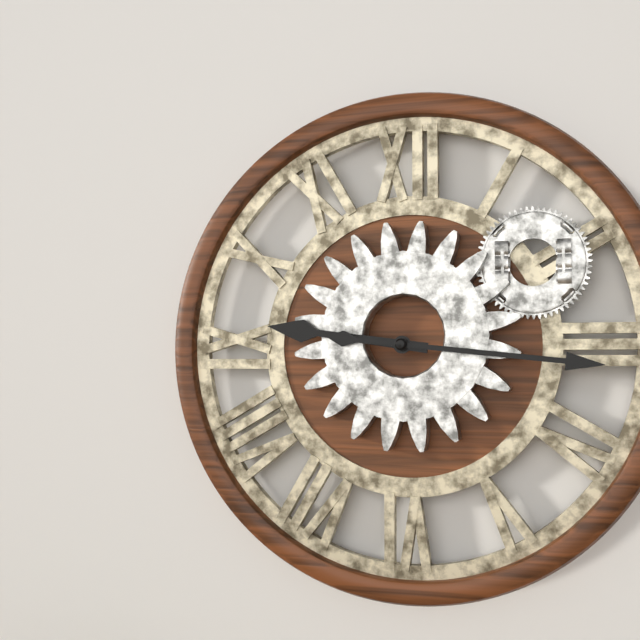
9:16
